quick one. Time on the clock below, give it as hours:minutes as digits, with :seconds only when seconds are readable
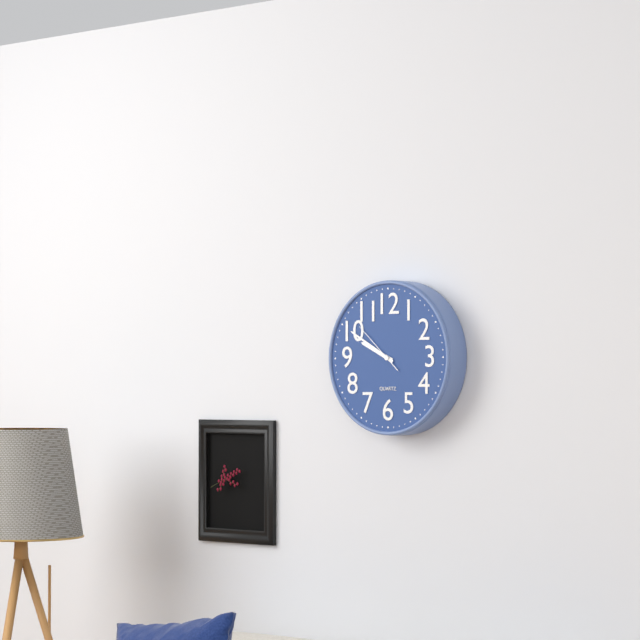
9:50:52
